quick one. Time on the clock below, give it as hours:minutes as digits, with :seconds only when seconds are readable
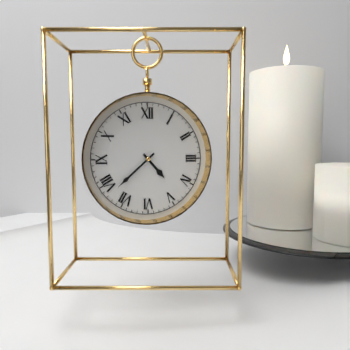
4:38
